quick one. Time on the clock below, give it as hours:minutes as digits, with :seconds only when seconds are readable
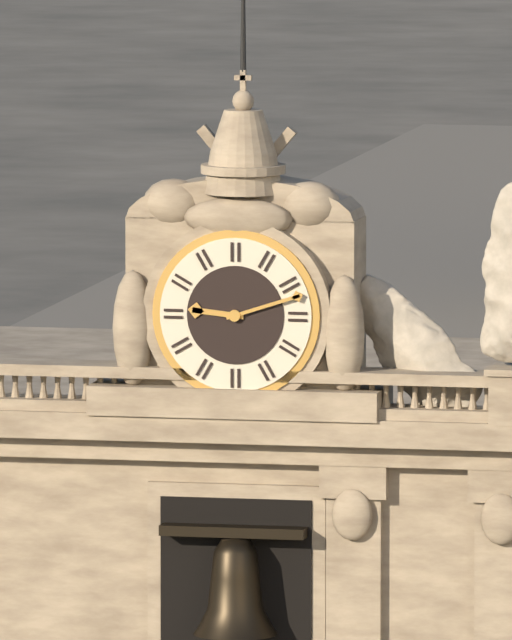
9:12
